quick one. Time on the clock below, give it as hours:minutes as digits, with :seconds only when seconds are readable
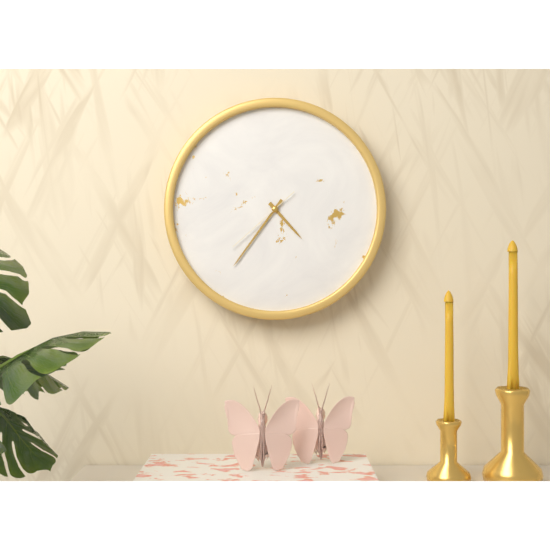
4:36:38
